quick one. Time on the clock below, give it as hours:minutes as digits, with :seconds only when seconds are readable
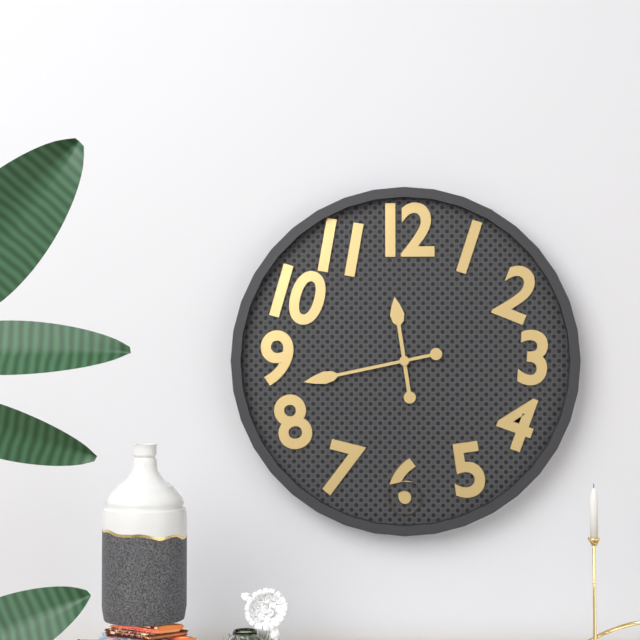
11:43
